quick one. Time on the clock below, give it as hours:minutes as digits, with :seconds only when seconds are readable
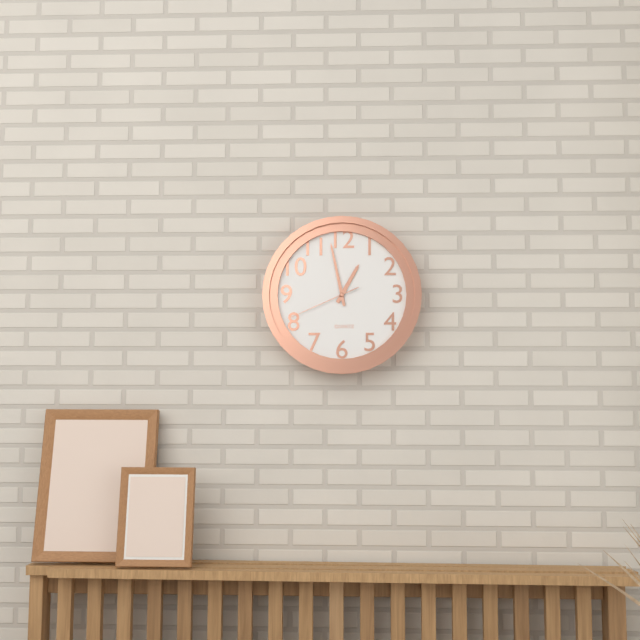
12:58:41
